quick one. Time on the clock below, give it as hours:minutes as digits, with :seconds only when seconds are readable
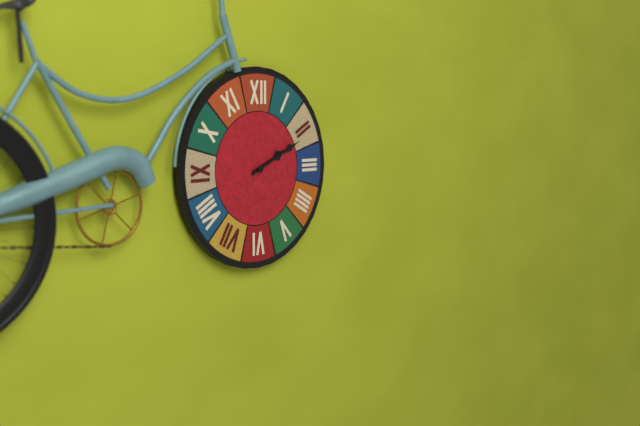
2:11
